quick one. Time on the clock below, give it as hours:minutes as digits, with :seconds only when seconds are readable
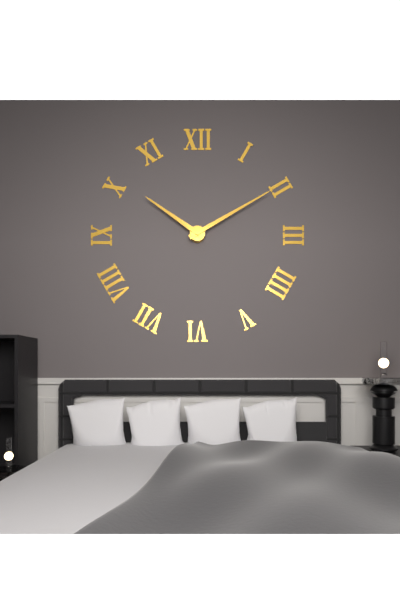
10:10
